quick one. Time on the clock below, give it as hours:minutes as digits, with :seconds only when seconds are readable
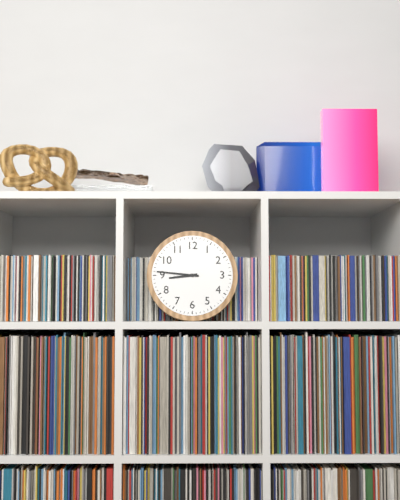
8:46
